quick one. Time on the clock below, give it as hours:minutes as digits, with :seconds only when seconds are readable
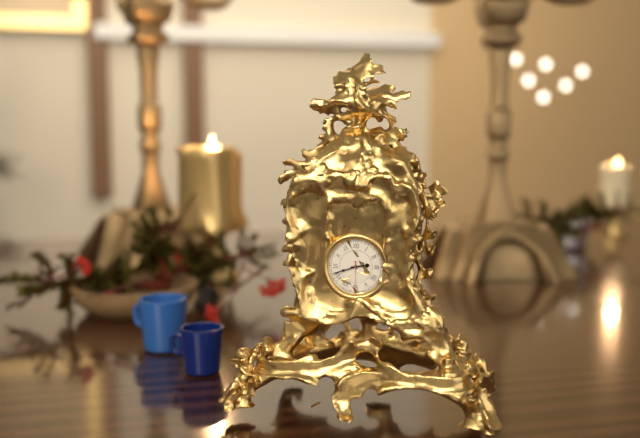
2:42
